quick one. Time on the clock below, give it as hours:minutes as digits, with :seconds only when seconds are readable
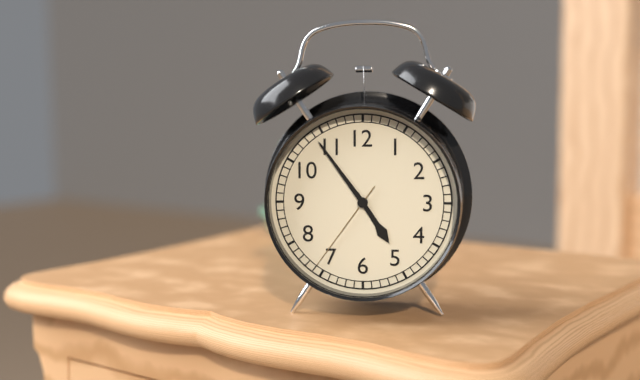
4:54:36
